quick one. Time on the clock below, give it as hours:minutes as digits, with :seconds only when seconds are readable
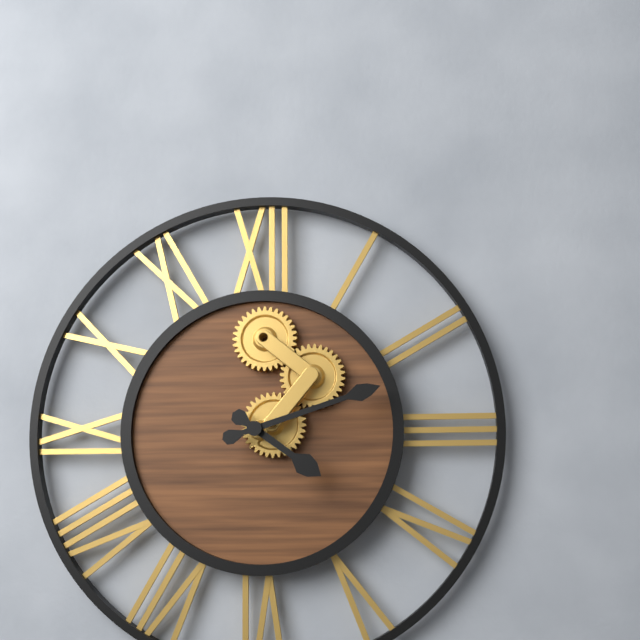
4:12
